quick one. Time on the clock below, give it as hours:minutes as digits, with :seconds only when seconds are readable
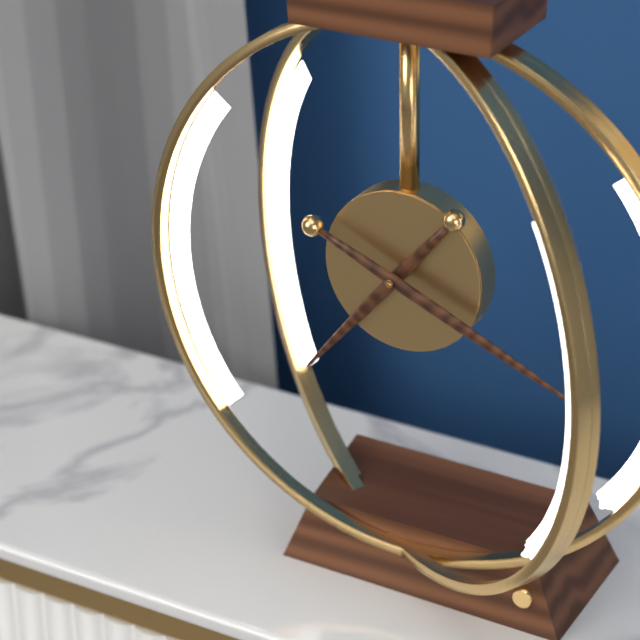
7:19
